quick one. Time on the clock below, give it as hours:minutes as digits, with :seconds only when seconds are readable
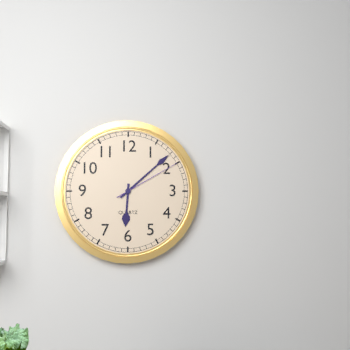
6:08:10
